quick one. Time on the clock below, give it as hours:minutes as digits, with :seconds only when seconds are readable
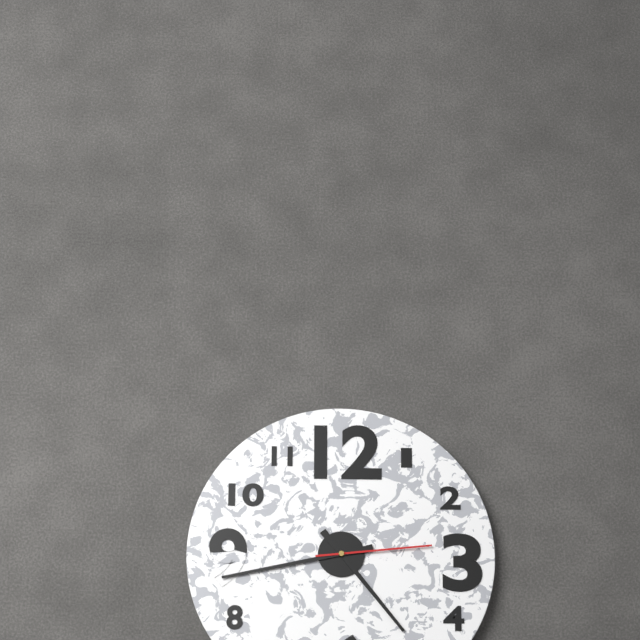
4:43:14
